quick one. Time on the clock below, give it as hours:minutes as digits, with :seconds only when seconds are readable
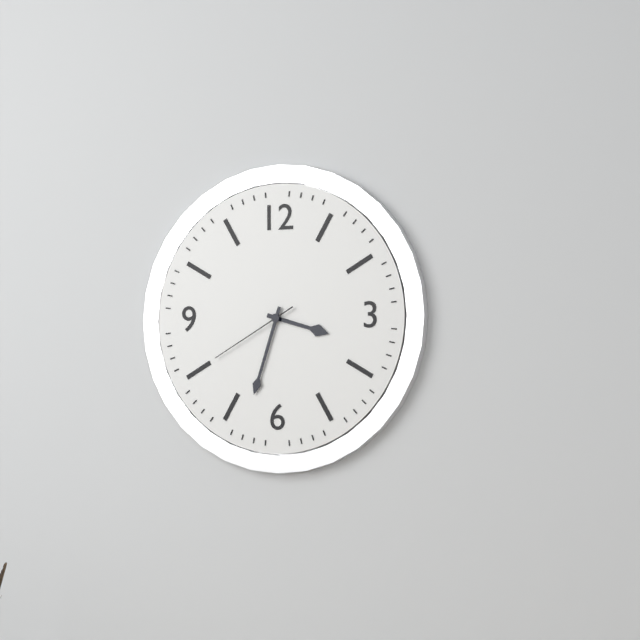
3:33:40
